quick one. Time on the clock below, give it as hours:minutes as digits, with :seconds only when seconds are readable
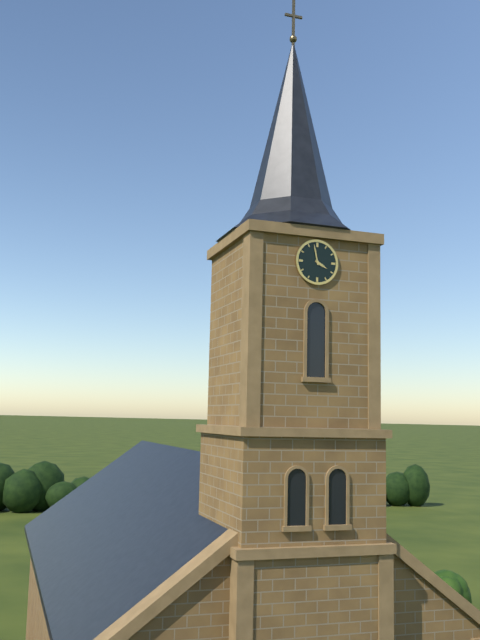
3:58
